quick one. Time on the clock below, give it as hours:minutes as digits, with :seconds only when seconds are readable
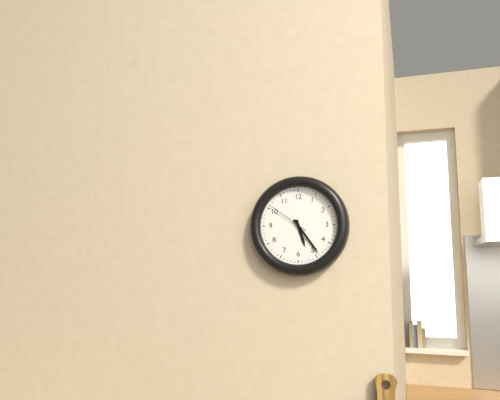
5:24
